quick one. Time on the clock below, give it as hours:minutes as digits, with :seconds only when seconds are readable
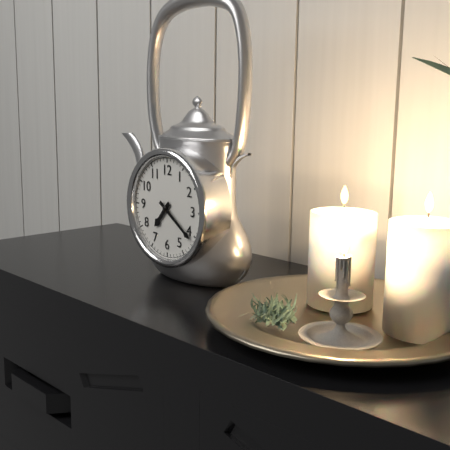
7:21
